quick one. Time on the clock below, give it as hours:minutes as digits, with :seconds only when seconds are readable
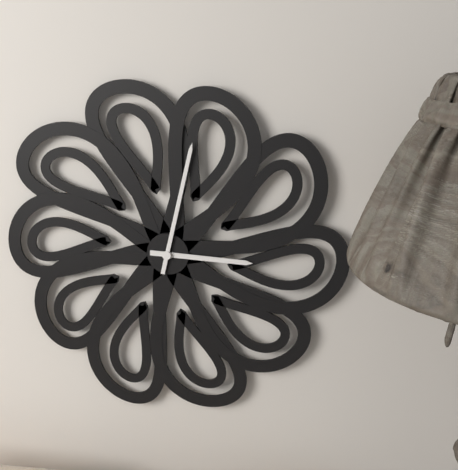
3:02
